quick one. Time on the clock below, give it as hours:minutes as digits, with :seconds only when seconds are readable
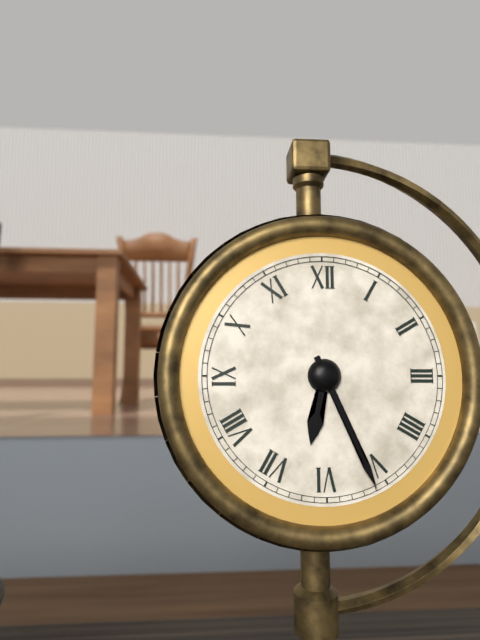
6:26
